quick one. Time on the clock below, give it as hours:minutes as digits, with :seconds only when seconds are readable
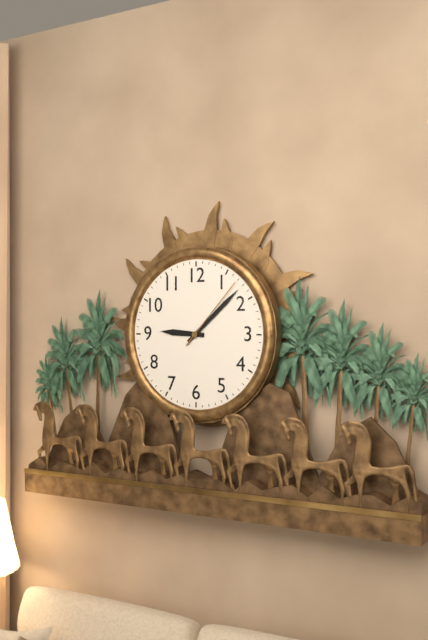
9:08:07
